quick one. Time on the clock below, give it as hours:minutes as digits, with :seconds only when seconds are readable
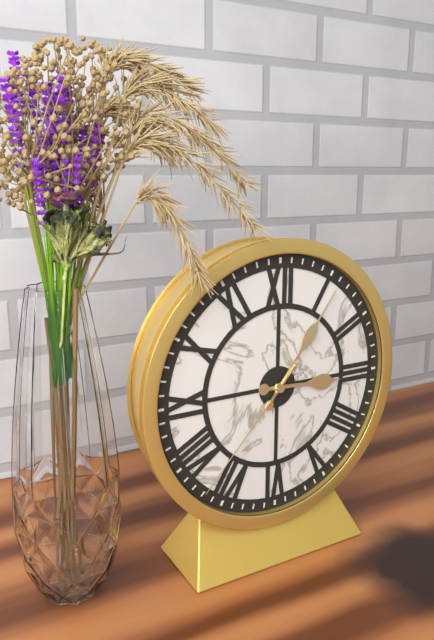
3:06:37
